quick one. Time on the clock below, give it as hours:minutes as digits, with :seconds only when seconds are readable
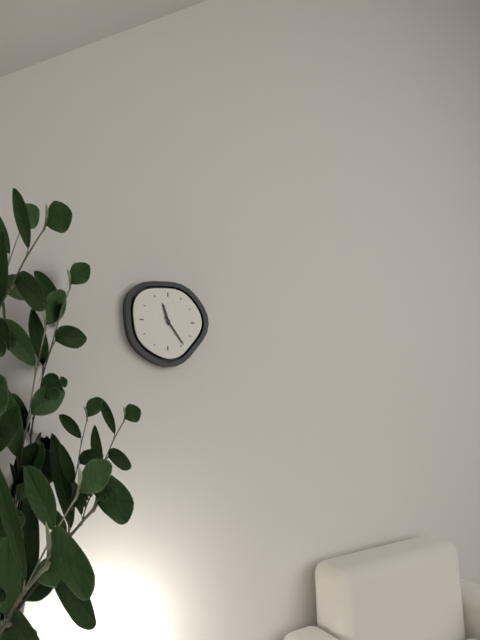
11:24
